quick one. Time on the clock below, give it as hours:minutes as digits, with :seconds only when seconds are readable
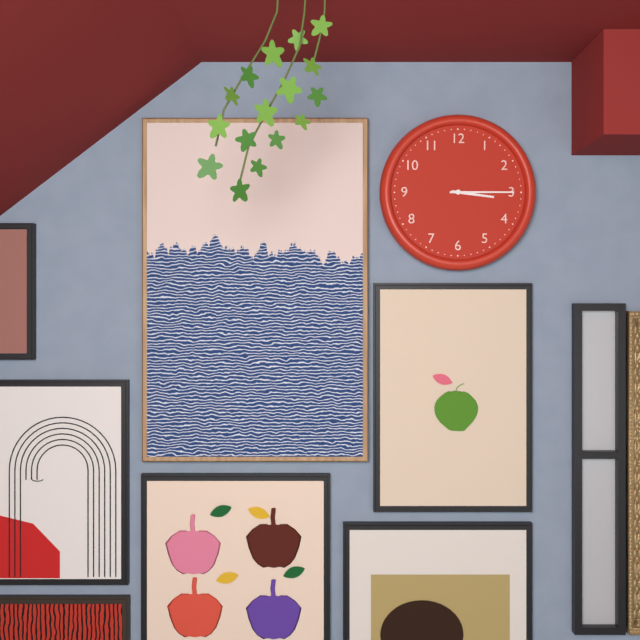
3:15
